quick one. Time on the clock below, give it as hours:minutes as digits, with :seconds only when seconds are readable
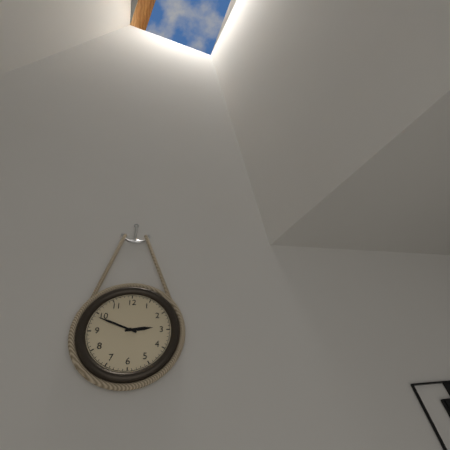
2:49
